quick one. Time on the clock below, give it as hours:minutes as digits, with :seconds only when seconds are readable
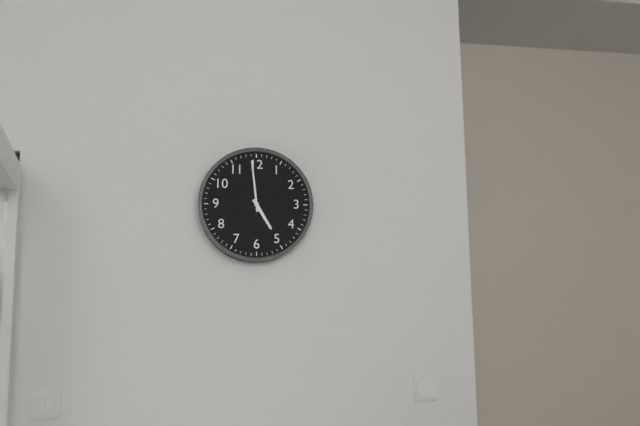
4:59
